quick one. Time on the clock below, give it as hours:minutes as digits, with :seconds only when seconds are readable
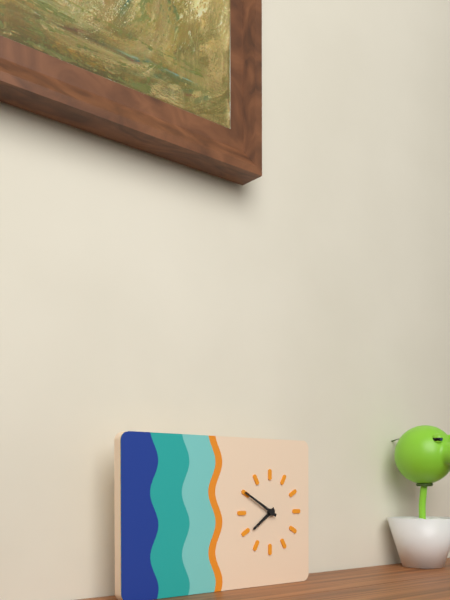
7:50
